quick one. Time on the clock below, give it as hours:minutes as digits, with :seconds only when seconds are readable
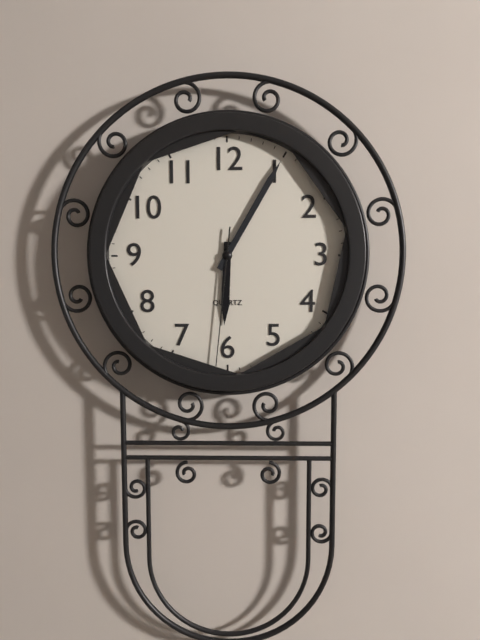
6:05:31
